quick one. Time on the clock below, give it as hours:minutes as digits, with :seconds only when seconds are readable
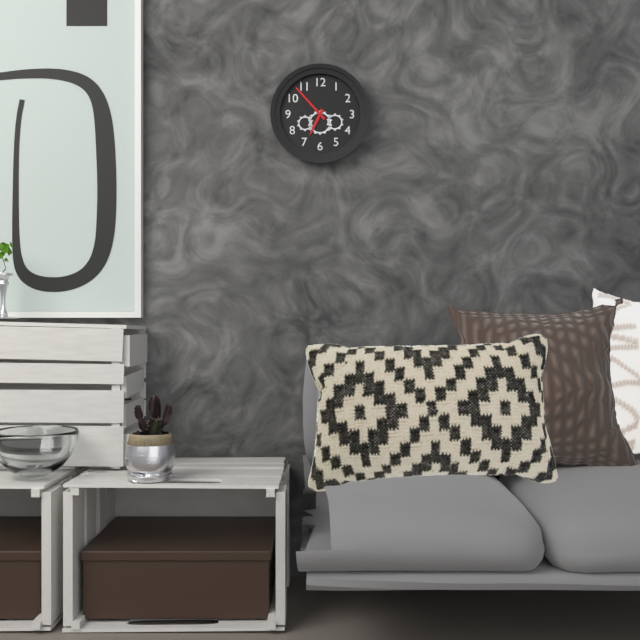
6:53
